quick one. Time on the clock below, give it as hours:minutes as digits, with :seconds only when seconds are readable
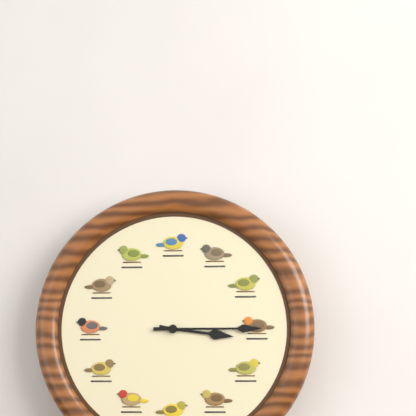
3:15
